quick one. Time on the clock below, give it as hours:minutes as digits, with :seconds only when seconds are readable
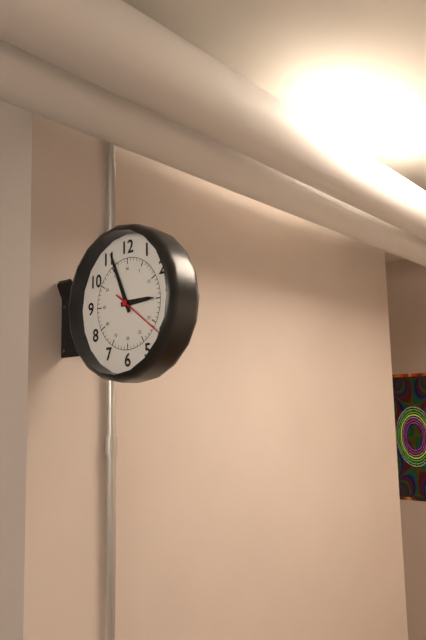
2:56:21
